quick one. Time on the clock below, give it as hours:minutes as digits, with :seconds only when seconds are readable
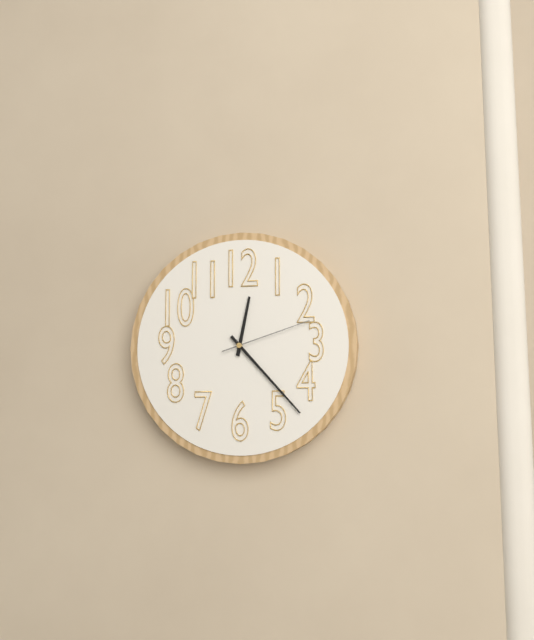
12:23:12
